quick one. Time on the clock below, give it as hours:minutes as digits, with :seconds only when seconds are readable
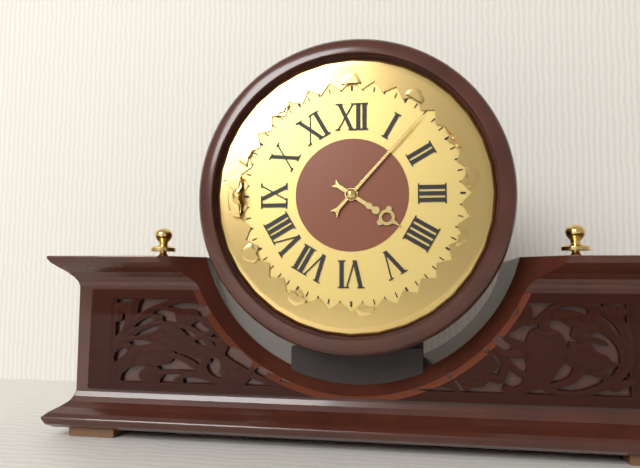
4:07
